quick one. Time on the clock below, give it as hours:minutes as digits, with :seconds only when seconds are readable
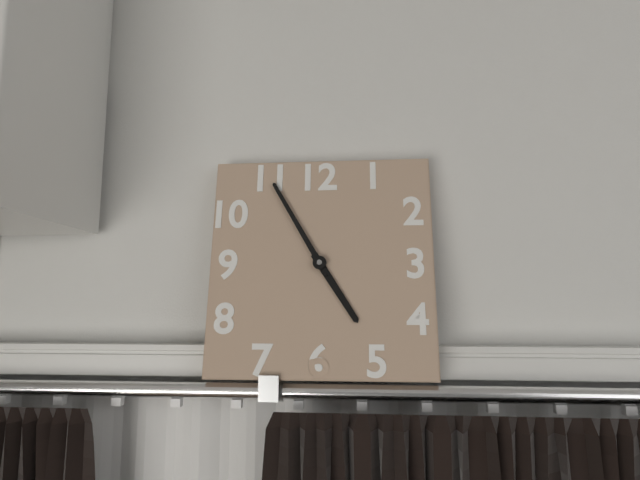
4:55
